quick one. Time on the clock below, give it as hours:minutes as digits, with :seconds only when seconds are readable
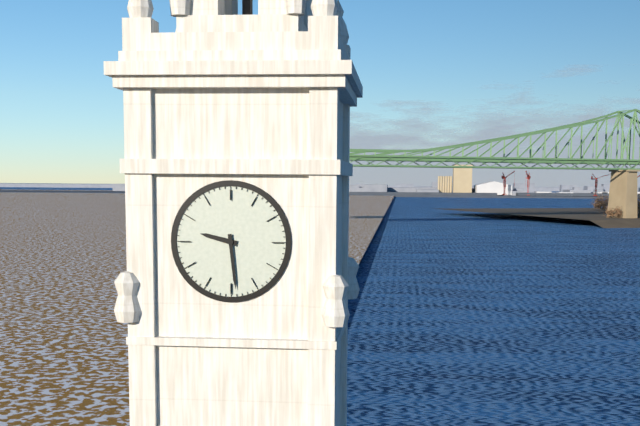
9:29
